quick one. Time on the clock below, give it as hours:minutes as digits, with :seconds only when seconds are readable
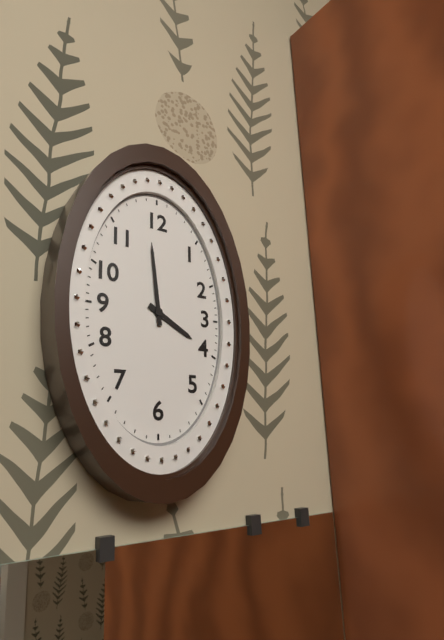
3:59
